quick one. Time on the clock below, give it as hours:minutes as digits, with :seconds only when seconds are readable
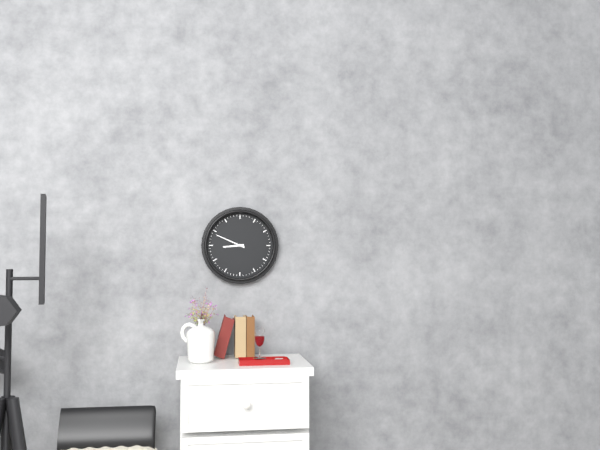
8:49
